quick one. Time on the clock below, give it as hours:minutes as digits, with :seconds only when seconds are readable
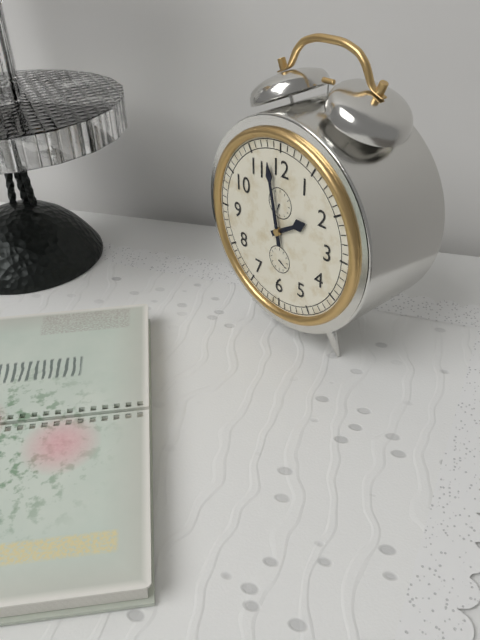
1:58
